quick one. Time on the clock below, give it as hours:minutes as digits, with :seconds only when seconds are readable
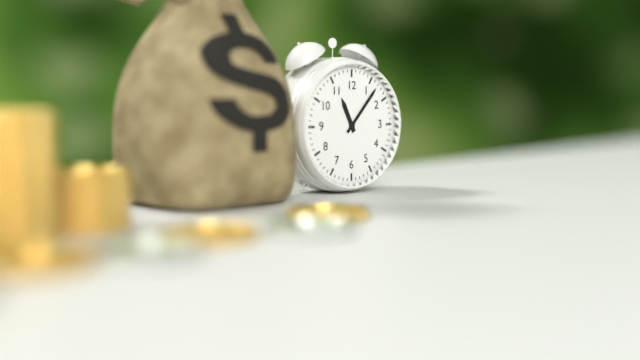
11:07
